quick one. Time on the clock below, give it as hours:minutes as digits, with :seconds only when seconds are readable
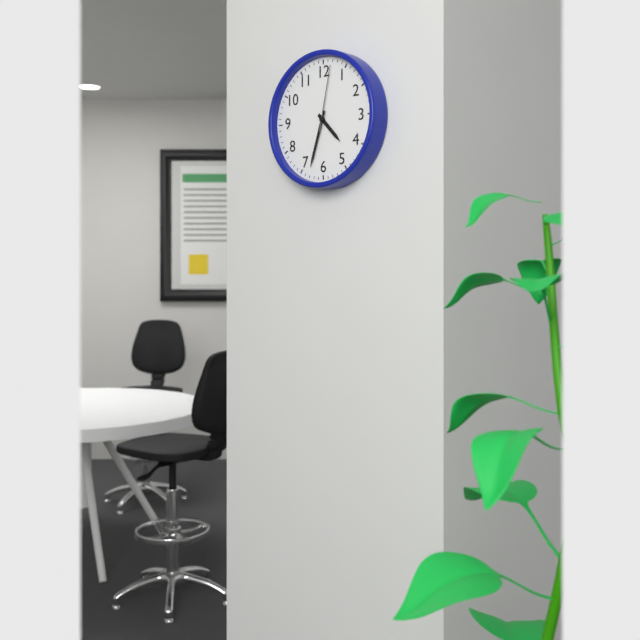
4:33:02
